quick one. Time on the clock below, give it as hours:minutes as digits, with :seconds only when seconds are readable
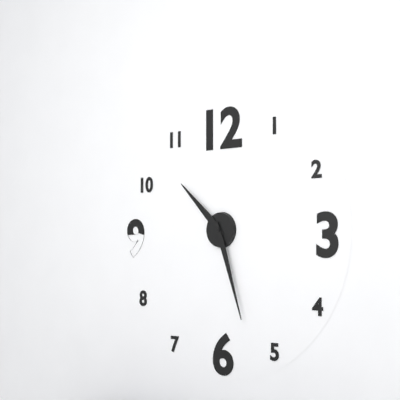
10:27
